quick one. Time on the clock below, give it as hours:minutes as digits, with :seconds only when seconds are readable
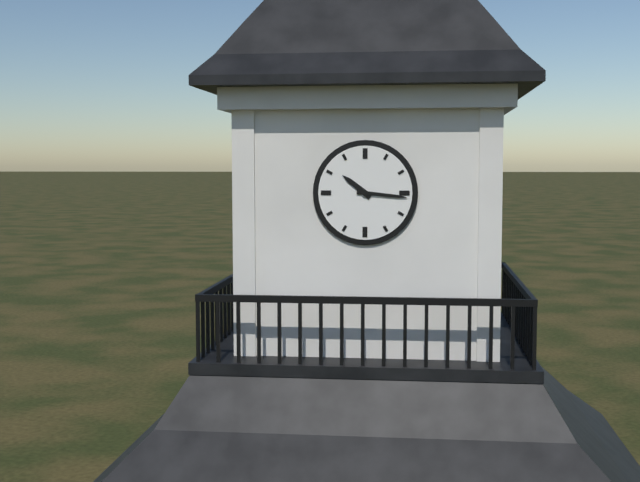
10:16
